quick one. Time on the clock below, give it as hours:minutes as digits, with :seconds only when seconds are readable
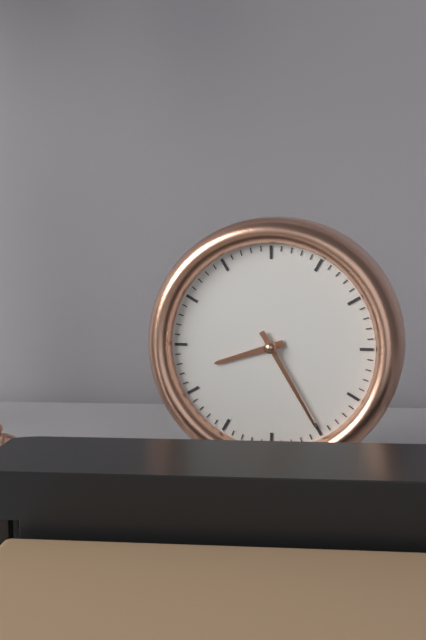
8:25
